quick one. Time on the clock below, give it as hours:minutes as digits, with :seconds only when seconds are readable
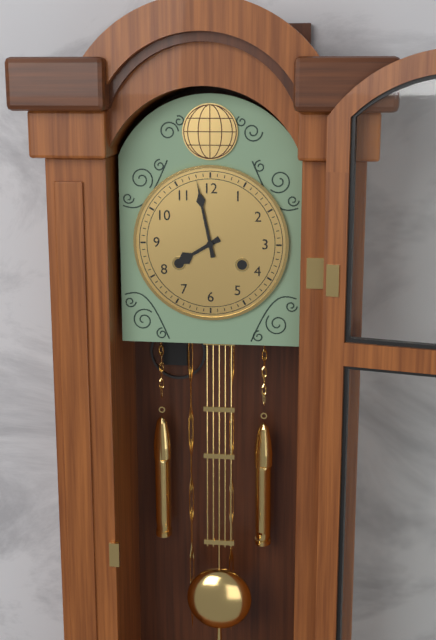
7:58
